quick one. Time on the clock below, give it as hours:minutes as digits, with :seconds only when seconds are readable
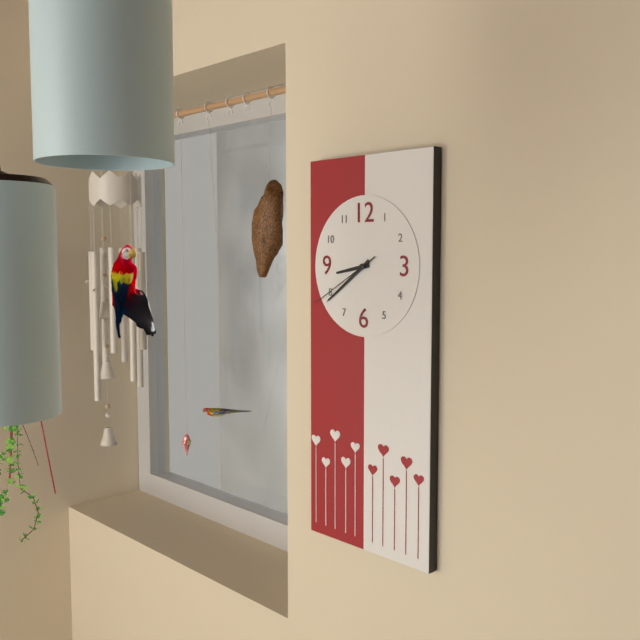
8:39:40
